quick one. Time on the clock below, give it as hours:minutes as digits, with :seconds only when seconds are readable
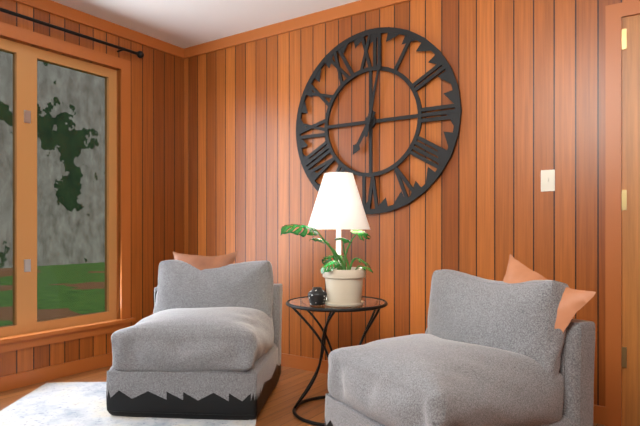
7:02
